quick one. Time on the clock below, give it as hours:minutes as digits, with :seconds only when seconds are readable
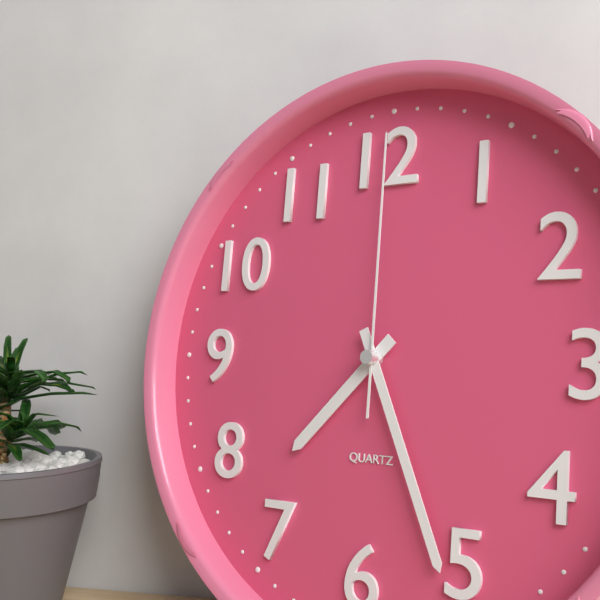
7:26:00
